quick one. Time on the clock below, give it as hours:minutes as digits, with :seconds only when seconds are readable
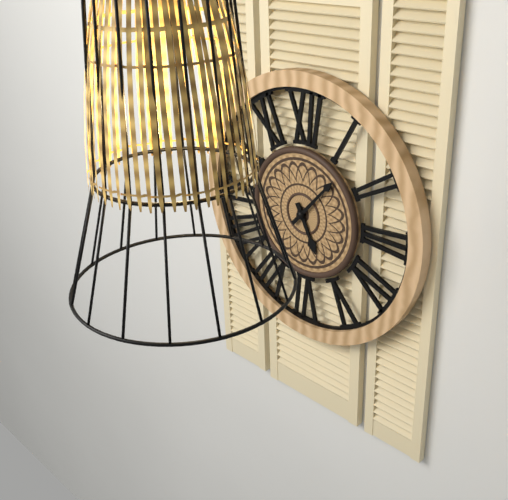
5:07
